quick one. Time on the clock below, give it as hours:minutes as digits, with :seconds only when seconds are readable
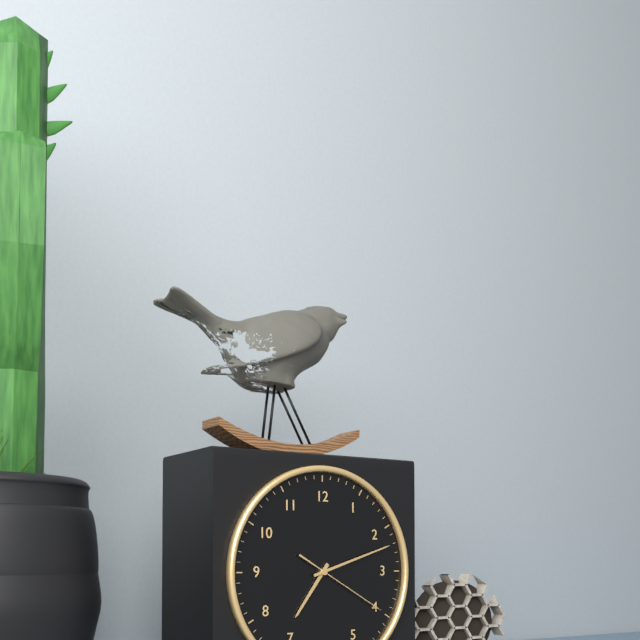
7:12:20
